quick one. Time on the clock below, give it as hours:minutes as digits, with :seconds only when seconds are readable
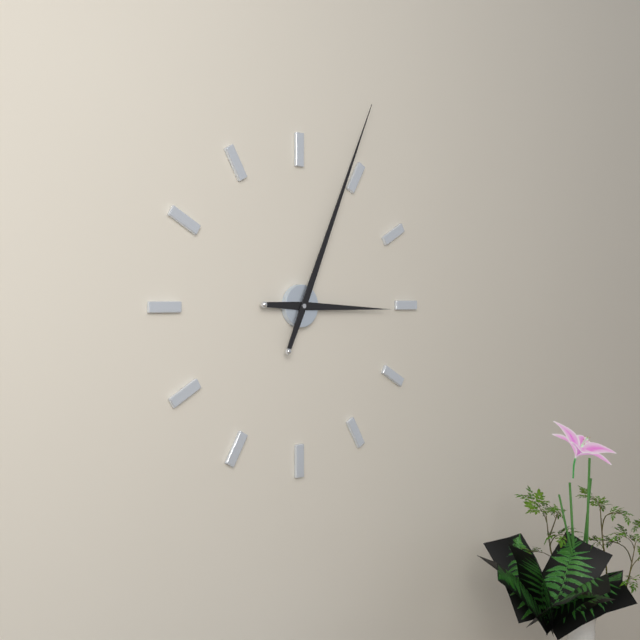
3:04
